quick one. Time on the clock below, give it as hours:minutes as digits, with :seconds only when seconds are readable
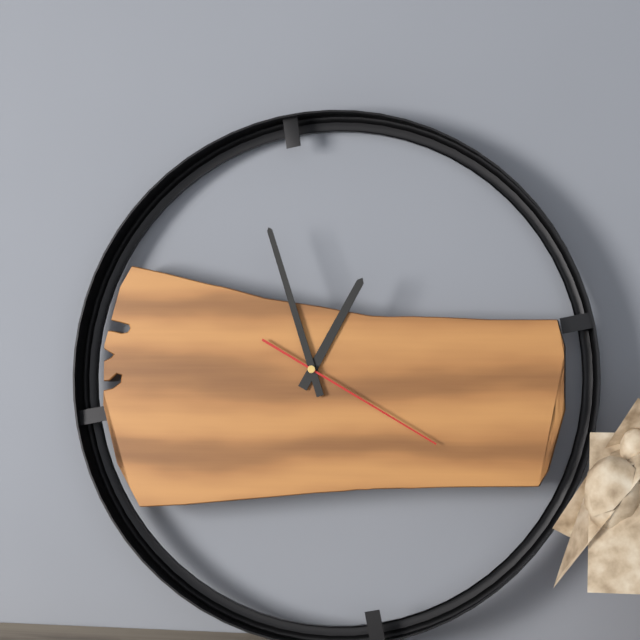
12:57:20
